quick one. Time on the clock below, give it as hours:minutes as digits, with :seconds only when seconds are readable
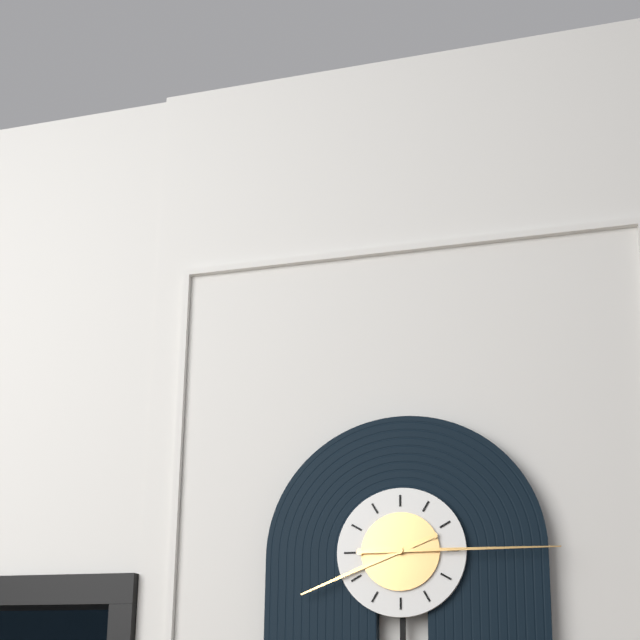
8:15
